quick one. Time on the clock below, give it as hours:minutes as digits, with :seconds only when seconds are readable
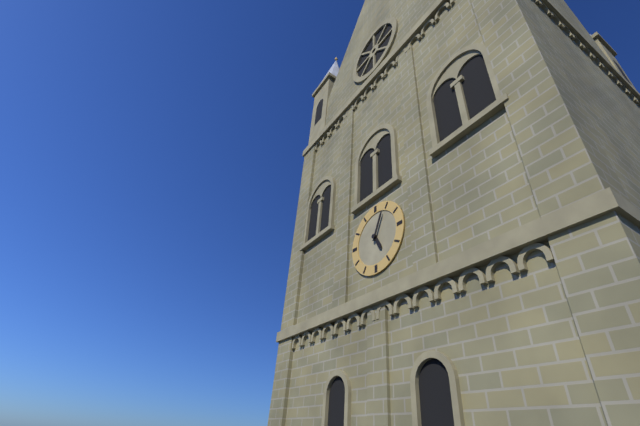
5:04
